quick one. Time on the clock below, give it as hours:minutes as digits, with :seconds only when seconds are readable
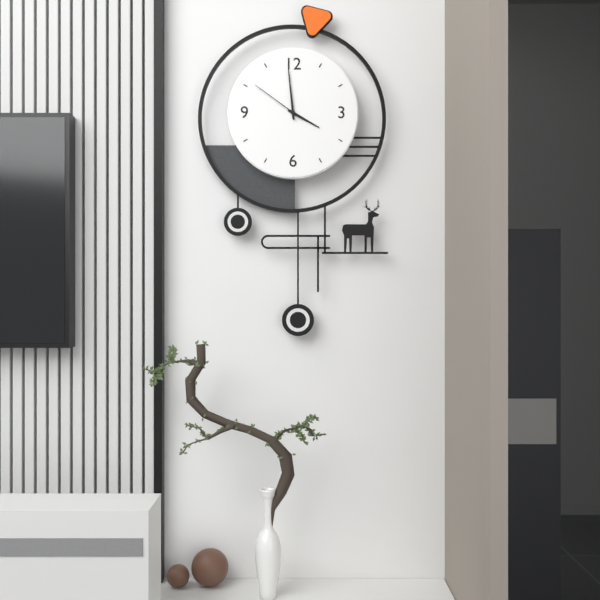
3:59:51
